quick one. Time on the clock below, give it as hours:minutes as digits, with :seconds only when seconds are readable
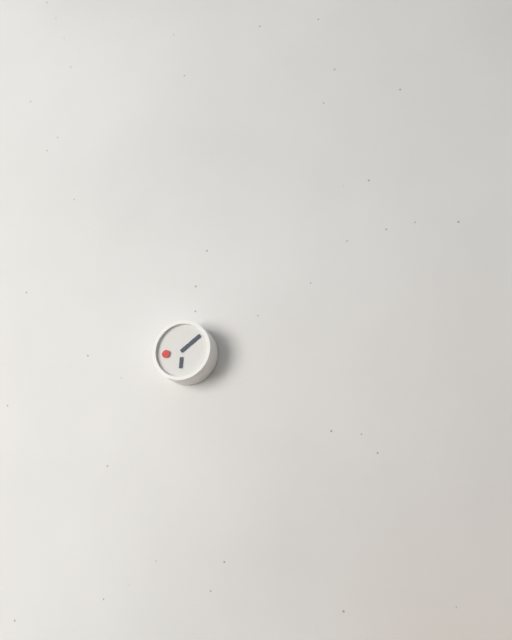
6:09
